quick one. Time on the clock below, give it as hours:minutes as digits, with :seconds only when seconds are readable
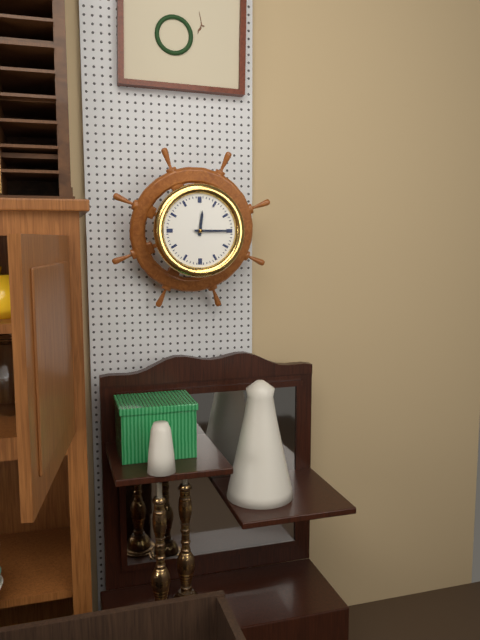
12:15
